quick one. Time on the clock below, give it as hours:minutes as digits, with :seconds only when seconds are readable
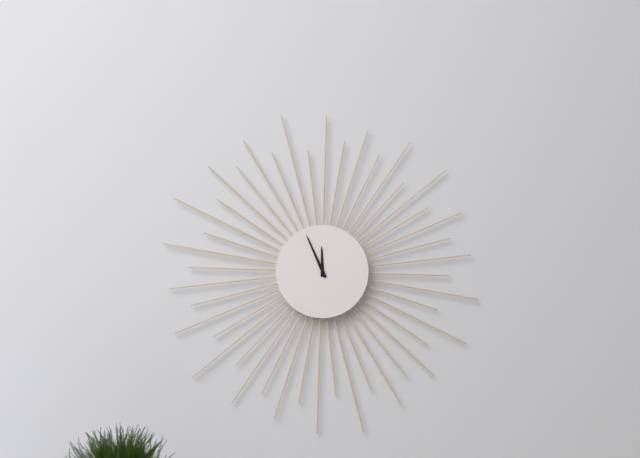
11:56
